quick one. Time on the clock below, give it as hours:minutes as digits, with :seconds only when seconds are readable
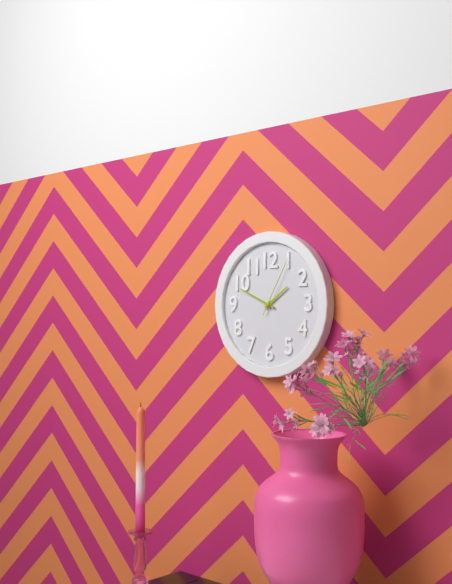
1:49:05
